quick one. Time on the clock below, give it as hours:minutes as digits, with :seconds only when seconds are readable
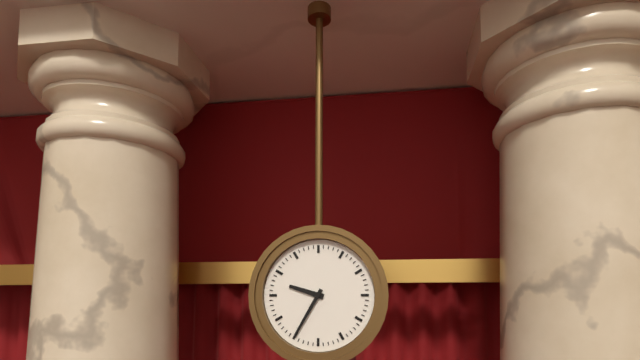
9:35
